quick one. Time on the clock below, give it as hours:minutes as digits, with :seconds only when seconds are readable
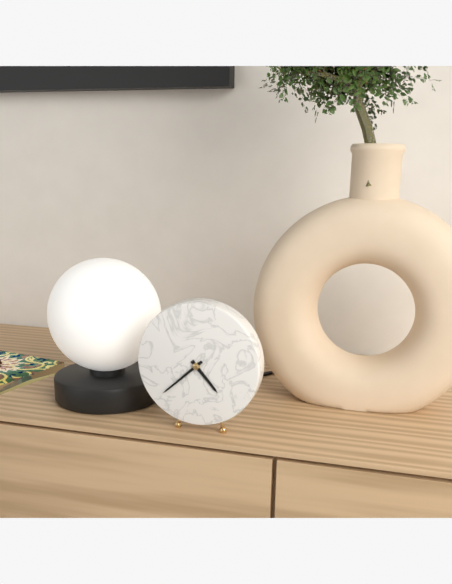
4:38
